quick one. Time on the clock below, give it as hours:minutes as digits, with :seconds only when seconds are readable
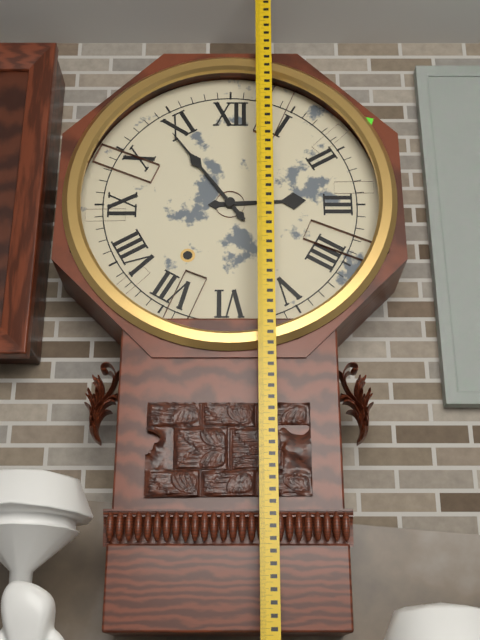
2:54
